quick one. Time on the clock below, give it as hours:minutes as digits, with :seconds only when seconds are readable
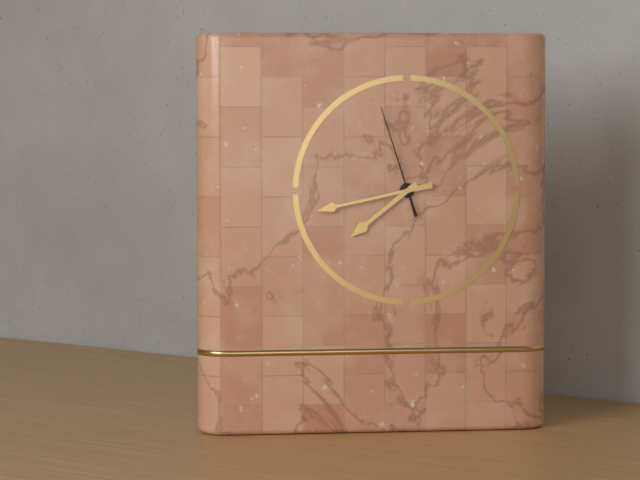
7:43:57
